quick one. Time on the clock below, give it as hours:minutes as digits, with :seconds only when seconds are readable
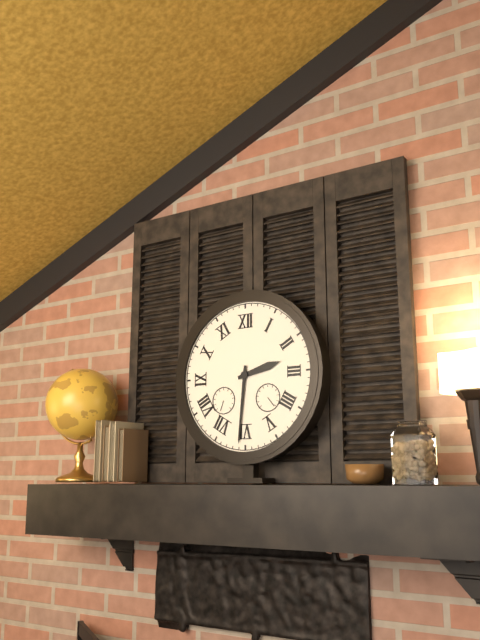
2:31
